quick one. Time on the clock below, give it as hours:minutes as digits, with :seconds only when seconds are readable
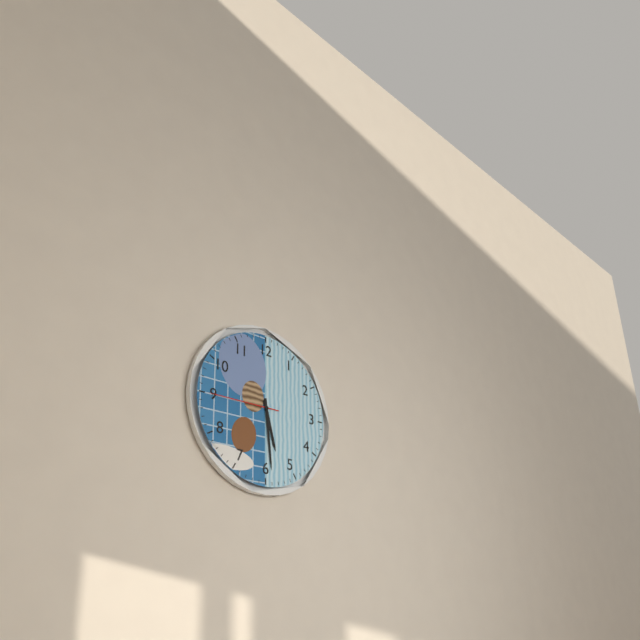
5:29:45
